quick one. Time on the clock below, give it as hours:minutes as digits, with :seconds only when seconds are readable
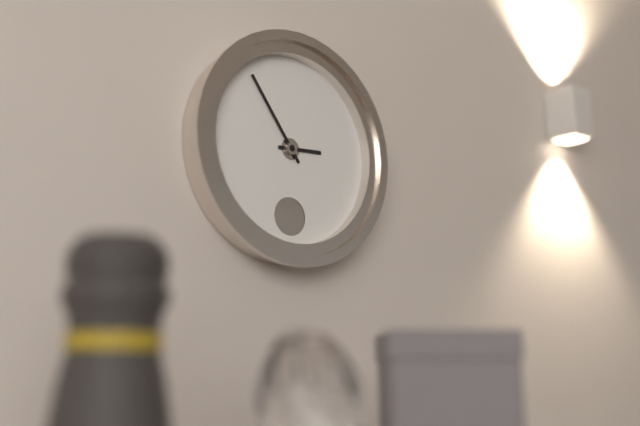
2:54
